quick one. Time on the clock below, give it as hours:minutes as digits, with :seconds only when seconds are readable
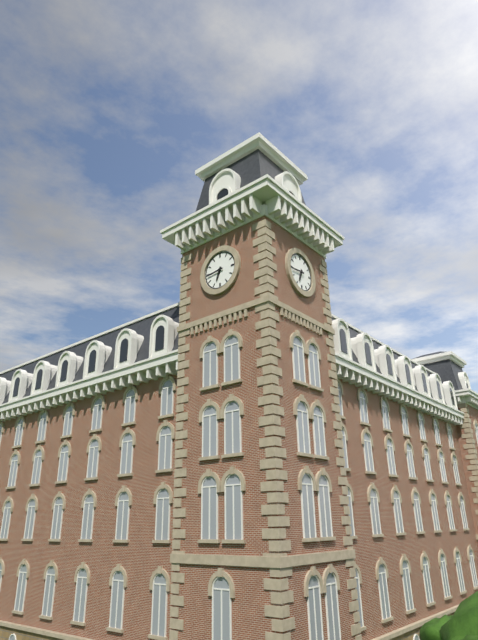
6:44
